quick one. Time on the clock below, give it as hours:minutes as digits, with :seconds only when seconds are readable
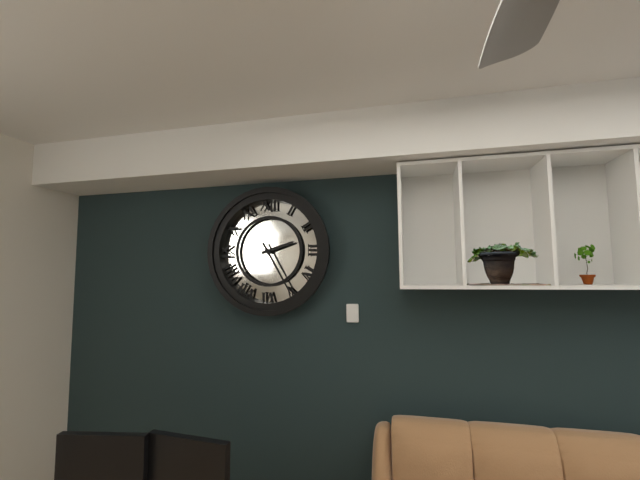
2:25
